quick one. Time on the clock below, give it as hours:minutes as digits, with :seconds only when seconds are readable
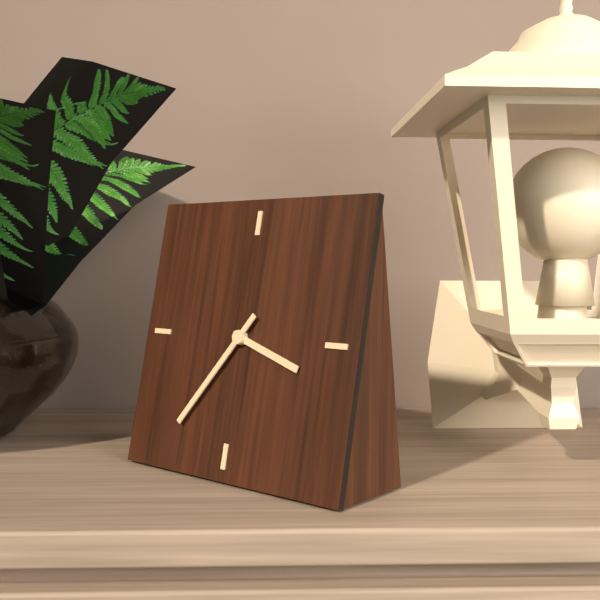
3:36
